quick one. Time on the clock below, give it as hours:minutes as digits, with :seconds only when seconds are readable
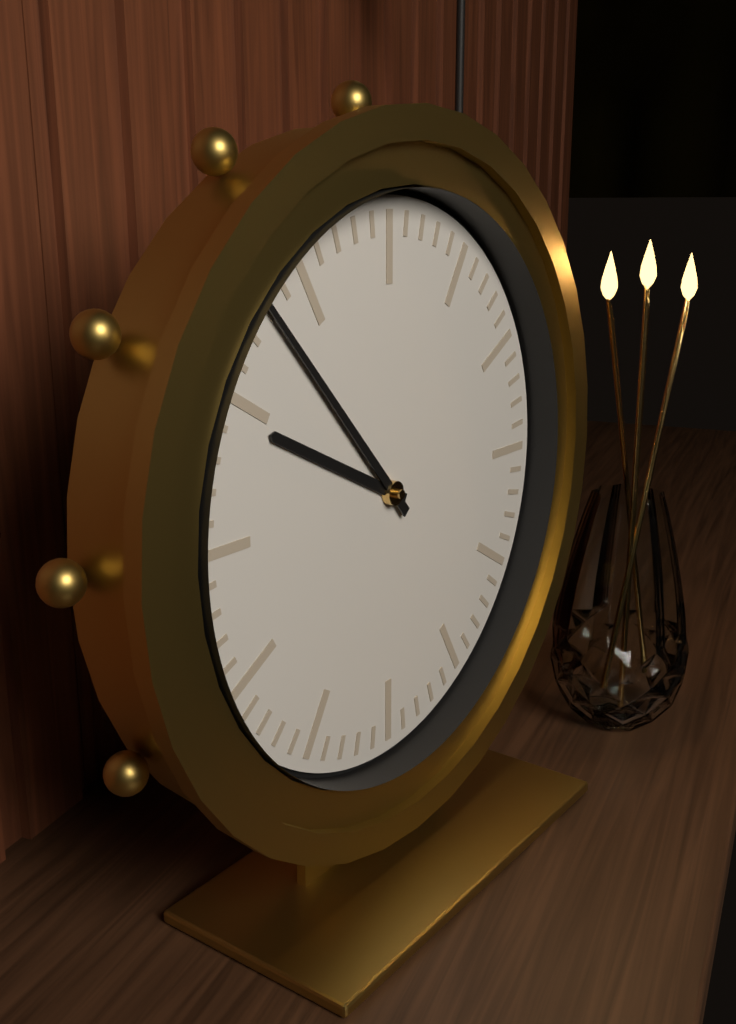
9:53
